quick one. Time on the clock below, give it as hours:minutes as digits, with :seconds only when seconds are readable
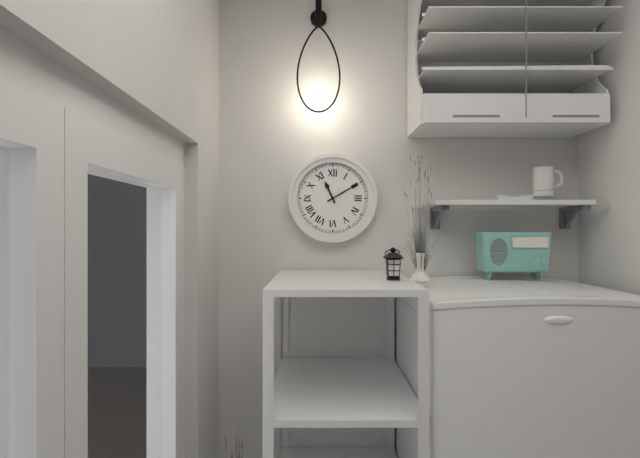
11:10
